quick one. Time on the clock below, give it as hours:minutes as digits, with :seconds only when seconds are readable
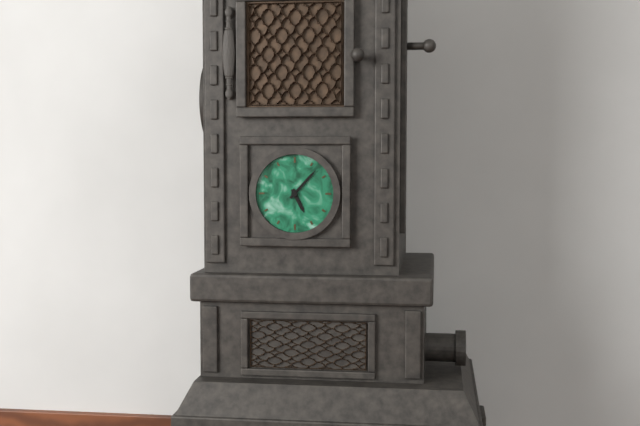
5:07
